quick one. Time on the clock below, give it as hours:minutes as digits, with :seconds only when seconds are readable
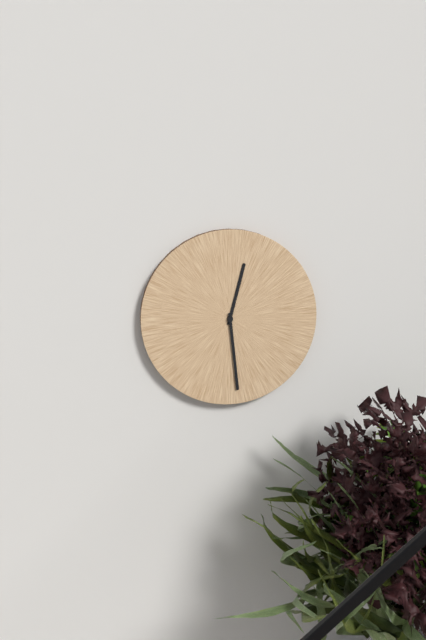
12:29
